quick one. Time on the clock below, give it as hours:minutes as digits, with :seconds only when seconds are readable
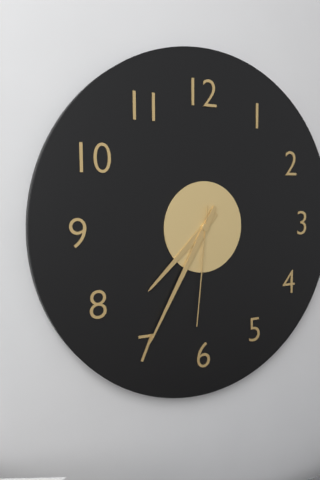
7:35:31
